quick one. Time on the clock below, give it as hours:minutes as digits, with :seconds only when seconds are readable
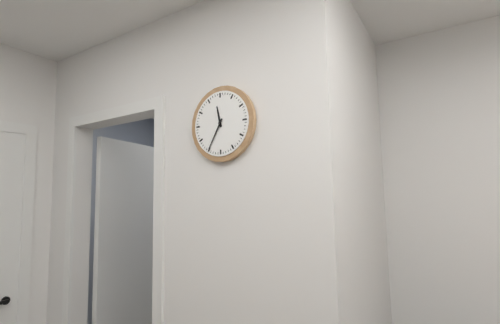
11:35
